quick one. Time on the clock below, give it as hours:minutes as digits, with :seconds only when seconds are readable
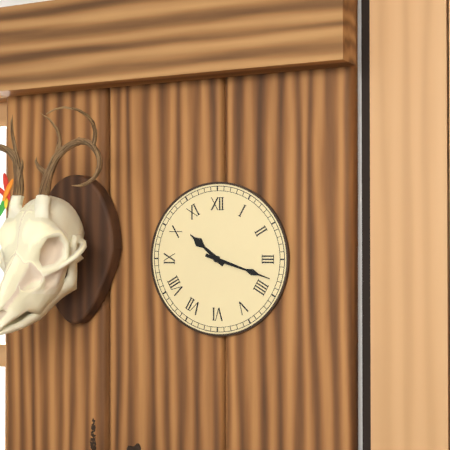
10:18
